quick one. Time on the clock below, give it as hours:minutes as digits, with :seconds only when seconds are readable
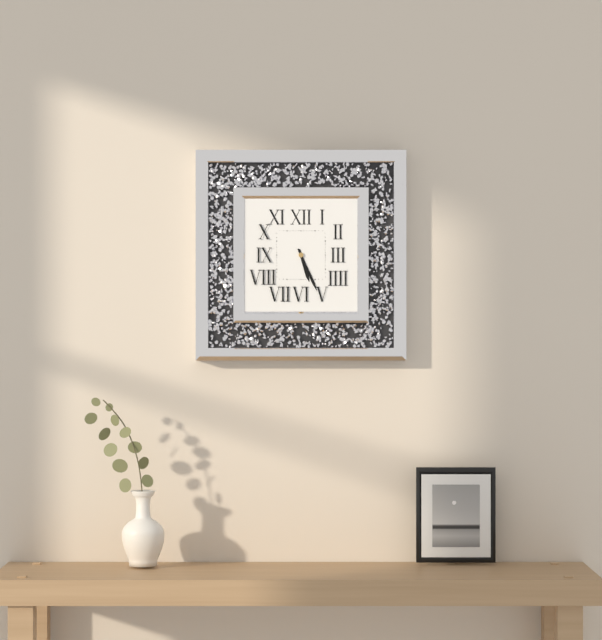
5:26
